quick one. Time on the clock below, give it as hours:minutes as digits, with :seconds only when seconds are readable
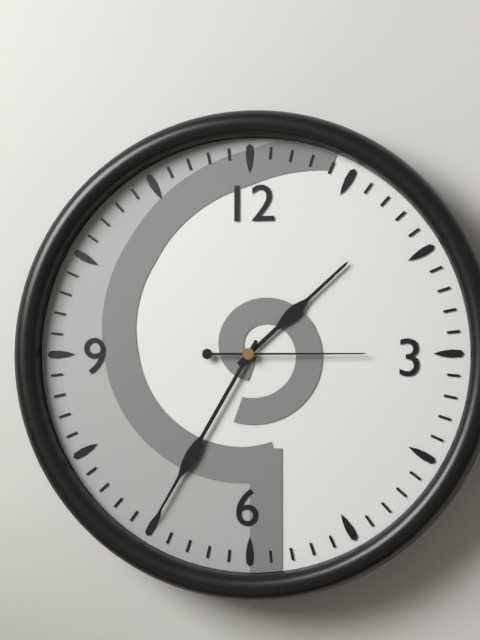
1:35:15
